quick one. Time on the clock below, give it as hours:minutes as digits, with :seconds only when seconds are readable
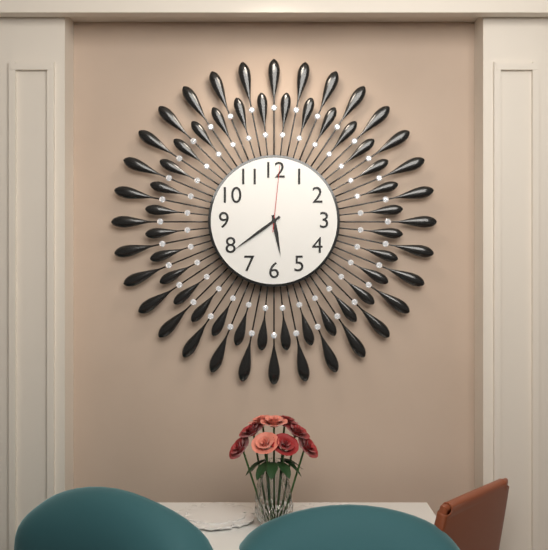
5:39:01
